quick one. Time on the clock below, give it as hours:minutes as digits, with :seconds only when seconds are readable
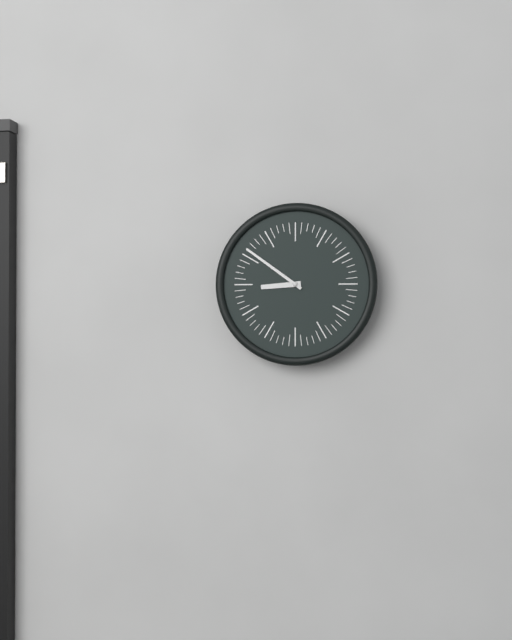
8:51
